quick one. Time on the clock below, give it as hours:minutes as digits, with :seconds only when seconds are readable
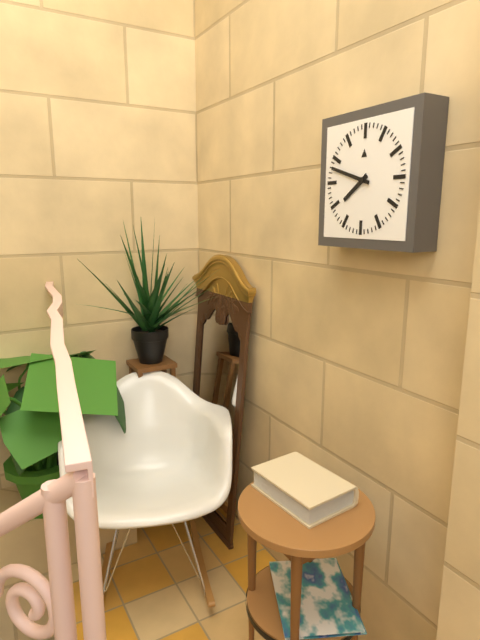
7:48
